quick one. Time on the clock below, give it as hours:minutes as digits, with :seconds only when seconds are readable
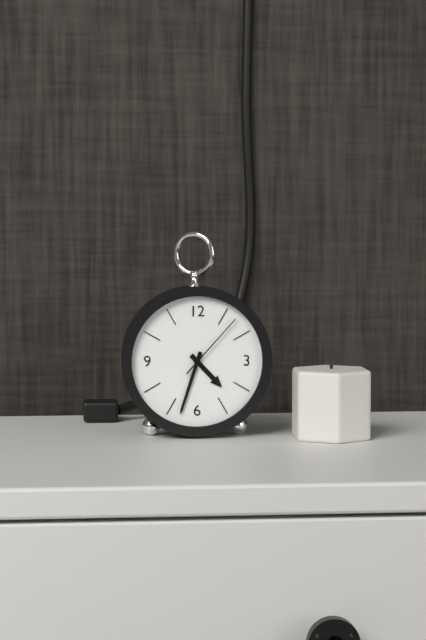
4:33:07
